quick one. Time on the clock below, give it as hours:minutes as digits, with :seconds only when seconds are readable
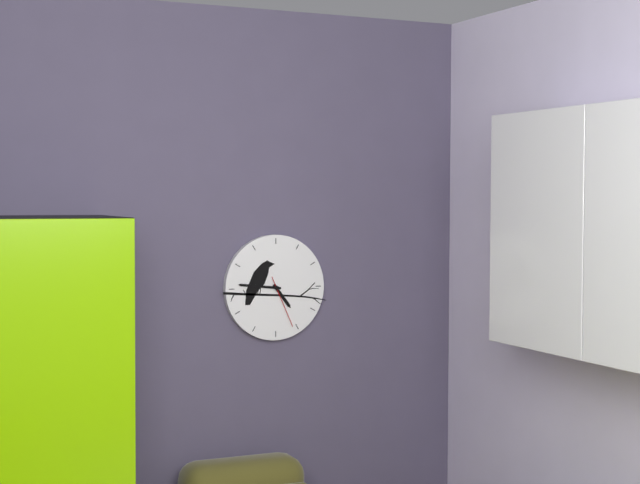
4:46:26
